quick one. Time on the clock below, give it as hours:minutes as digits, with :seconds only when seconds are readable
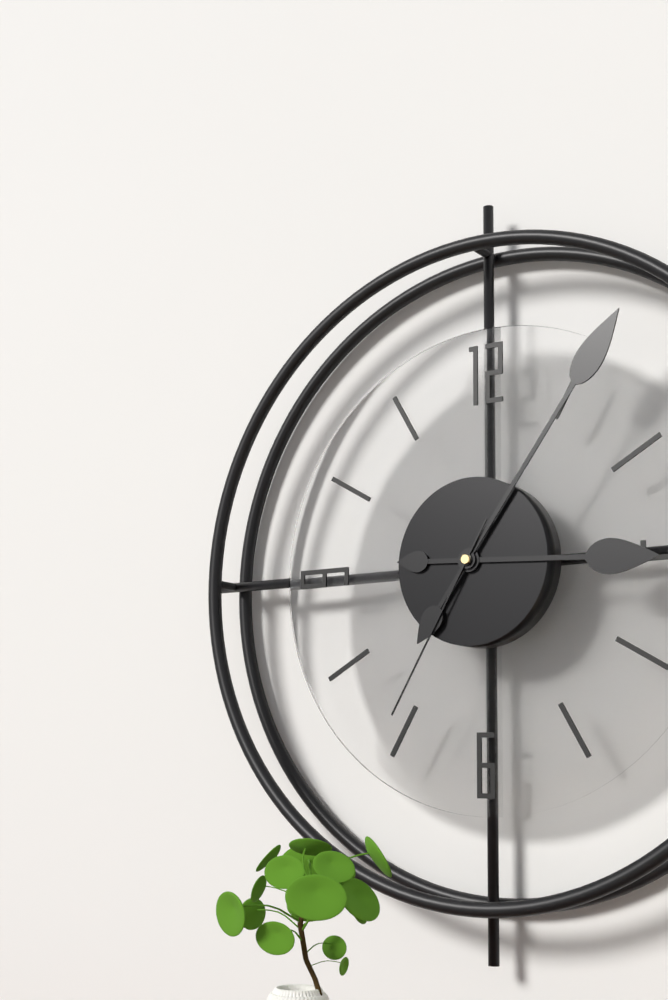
3:06:35
